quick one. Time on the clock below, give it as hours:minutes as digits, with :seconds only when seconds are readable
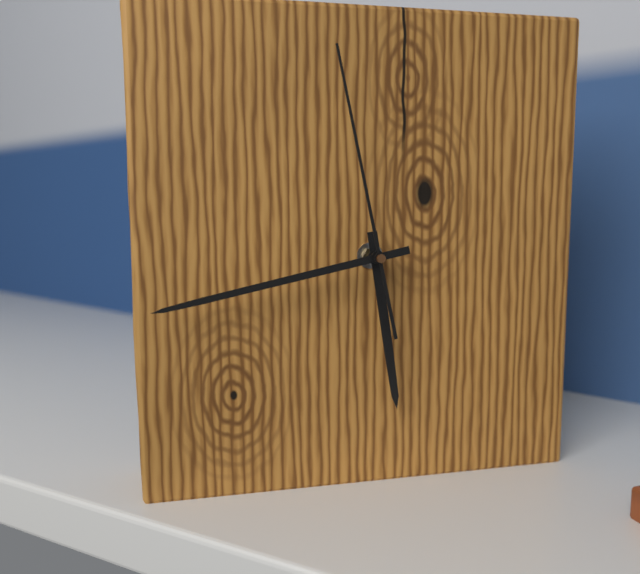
5:43:58
